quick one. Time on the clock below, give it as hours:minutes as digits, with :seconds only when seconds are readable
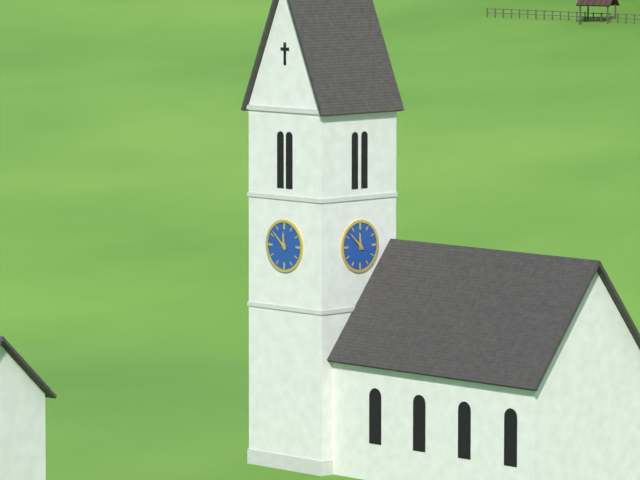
11:52
